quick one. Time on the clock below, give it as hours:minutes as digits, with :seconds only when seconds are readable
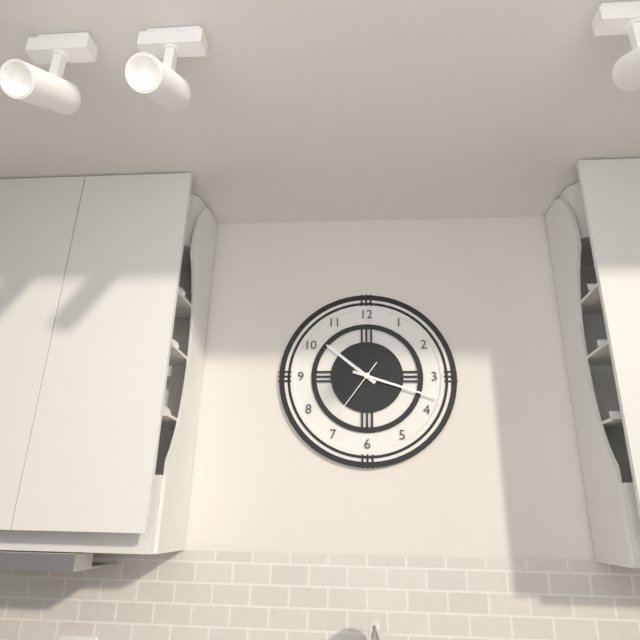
10:18:36
